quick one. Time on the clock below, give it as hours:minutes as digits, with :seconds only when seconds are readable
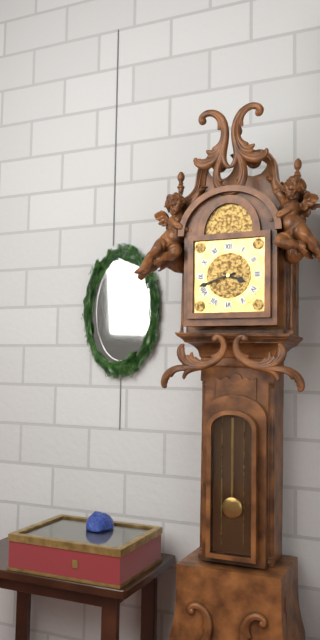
3:42
